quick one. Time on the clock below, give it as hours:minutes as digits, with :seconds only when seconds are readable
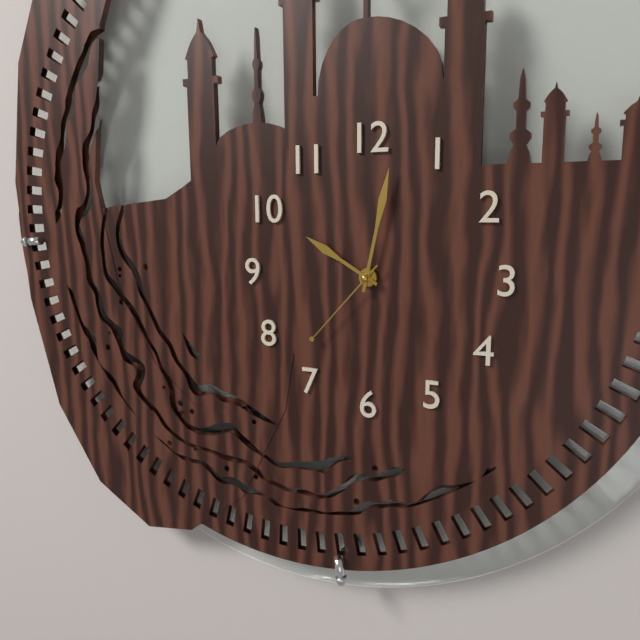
10:02:37
